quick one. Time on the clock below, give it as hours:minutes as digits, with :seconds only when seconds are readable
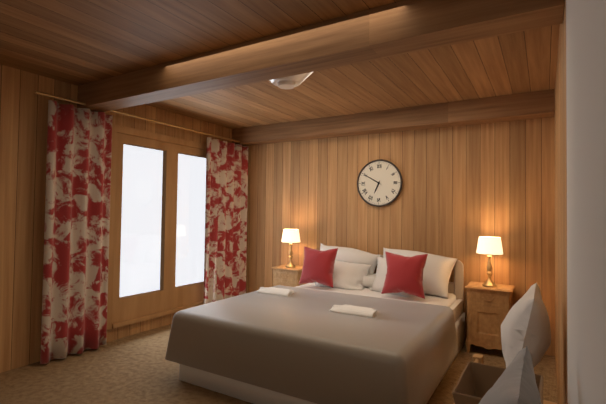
6:50
